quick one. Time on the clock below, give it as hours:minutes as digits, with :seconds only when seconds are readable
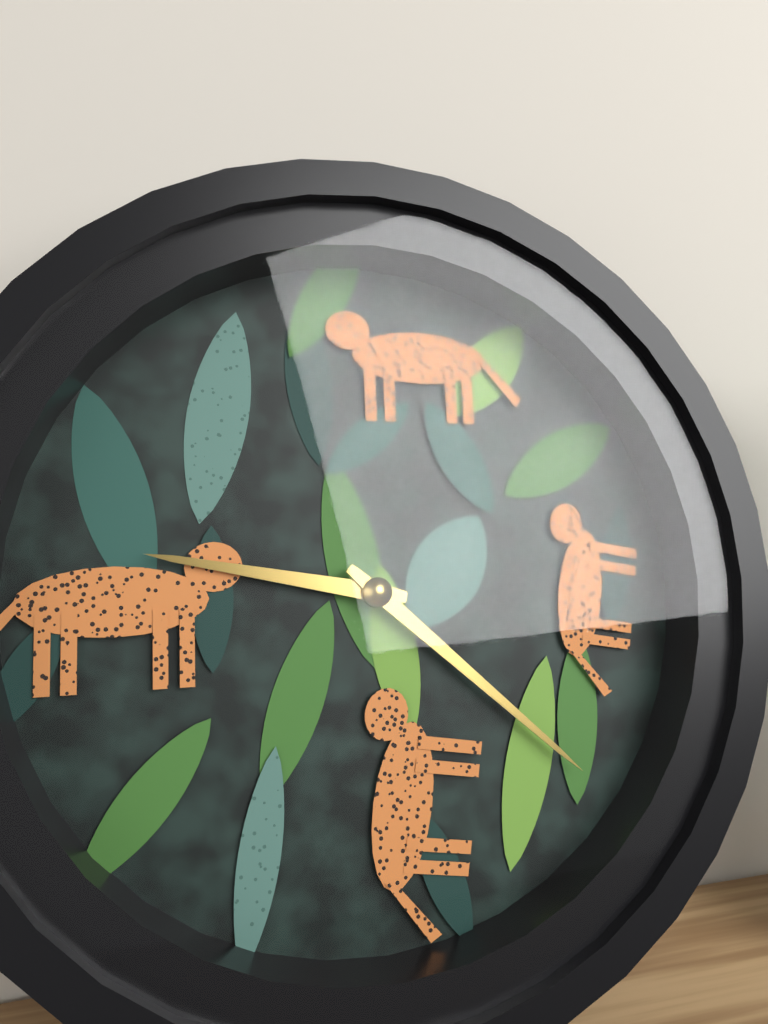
9:22
